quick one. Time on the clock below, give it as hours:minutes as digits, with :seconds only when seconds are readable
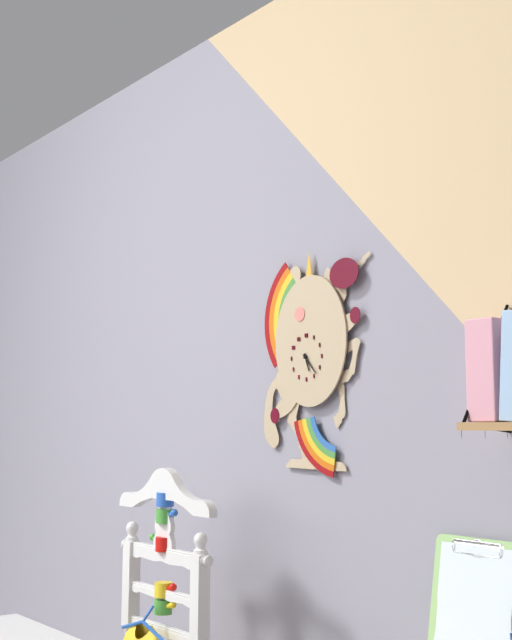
5:23
